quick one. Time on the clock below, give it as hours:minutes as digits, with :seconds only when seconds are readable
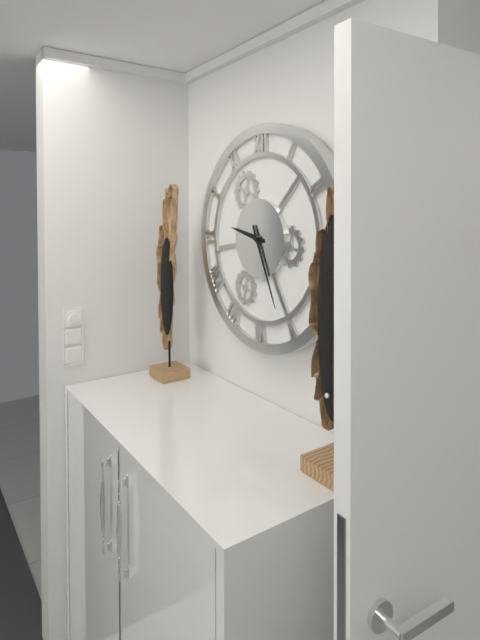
9:26
